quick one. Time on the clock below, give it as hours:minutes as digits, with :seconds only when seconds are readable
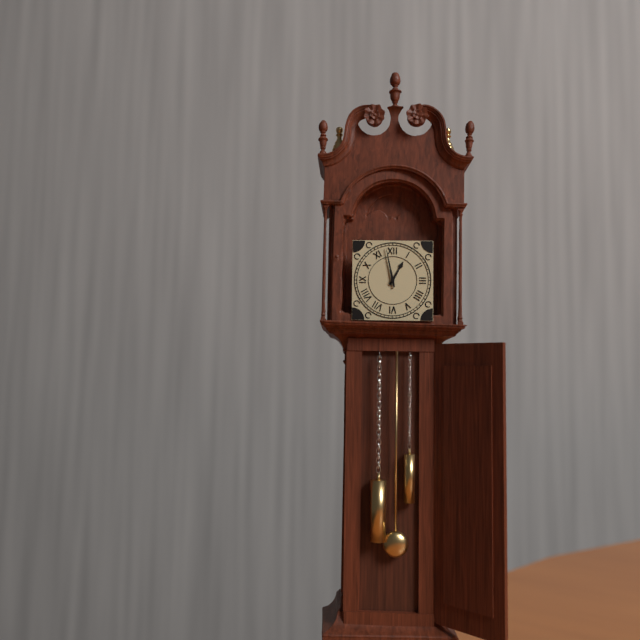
12:58
